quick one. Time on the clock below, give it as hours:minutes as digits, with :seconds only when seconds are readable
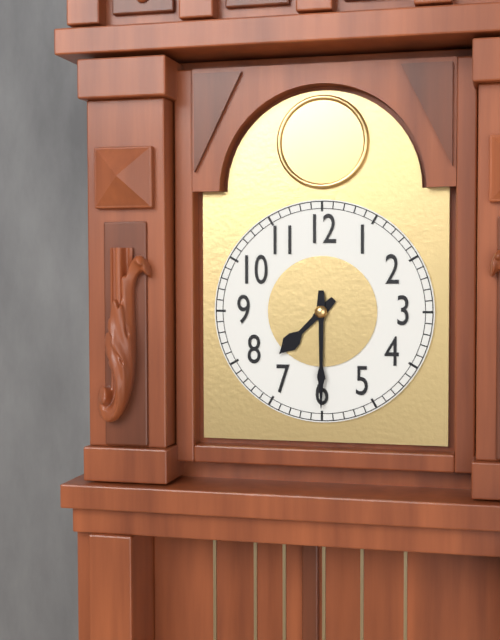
7:30
